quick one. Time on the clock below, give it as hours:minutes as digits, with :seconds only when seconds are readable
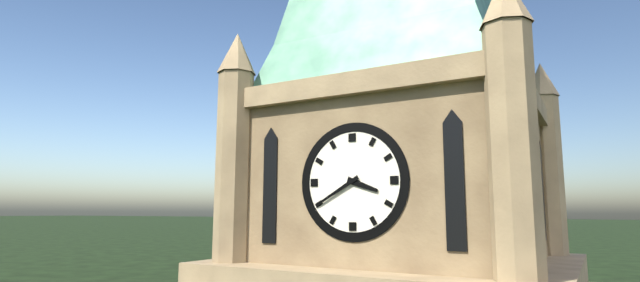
3:40
